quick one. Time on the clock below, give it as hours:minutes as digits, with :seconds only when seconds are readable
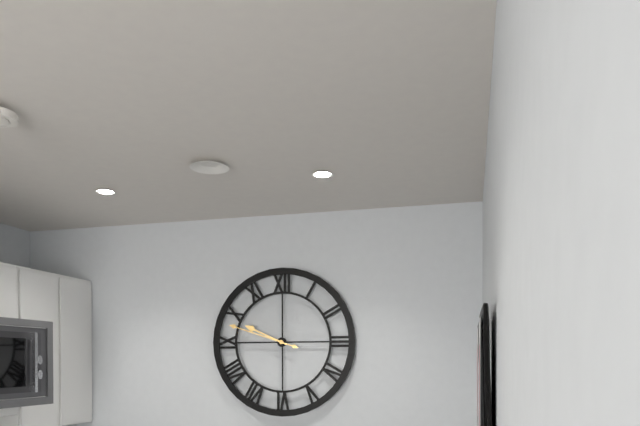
9:48
